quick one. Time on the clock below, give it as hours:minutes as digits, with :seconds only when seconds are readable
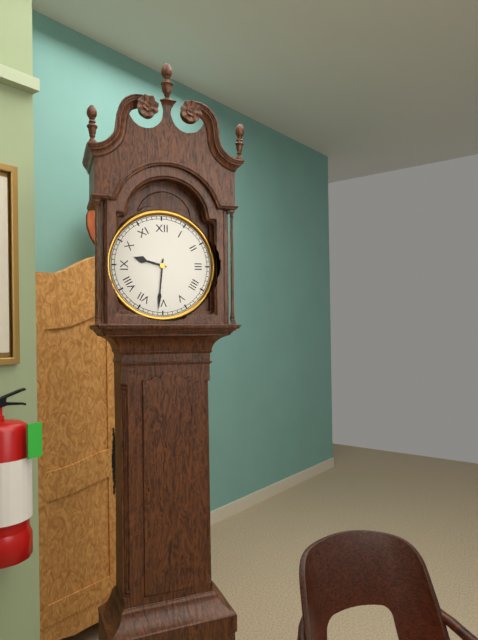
9:31
